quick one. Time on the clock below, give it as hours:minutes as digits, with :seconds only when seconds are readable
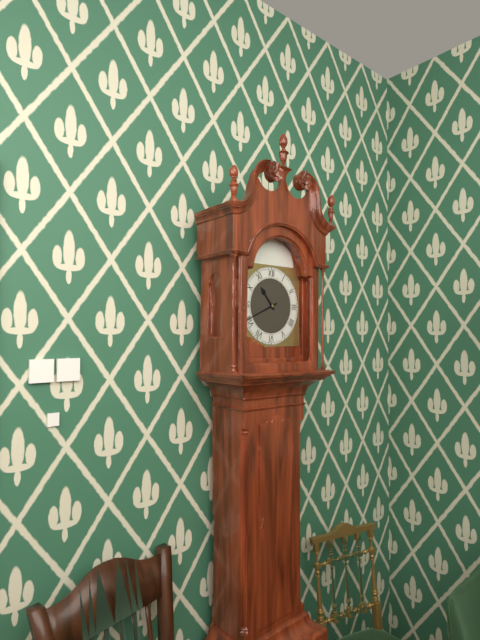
10:41
